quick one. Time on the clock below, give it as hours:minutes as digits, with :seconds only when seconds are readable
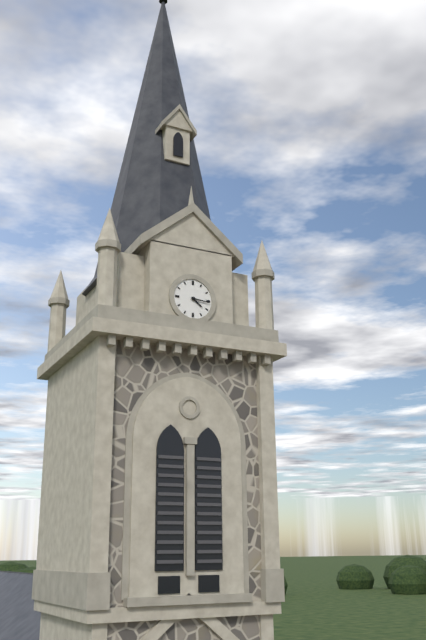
4:16
